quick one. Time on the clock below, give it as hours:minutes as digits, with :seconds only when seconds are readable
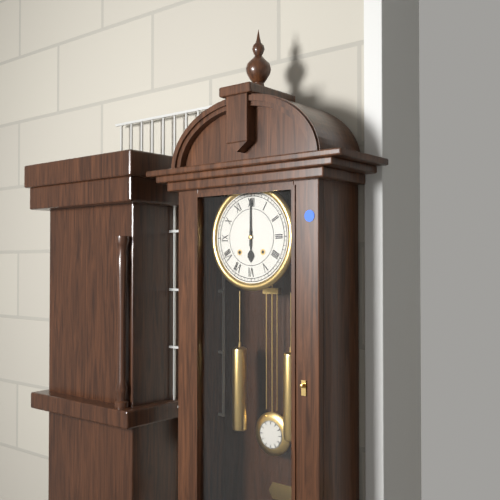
6:00
